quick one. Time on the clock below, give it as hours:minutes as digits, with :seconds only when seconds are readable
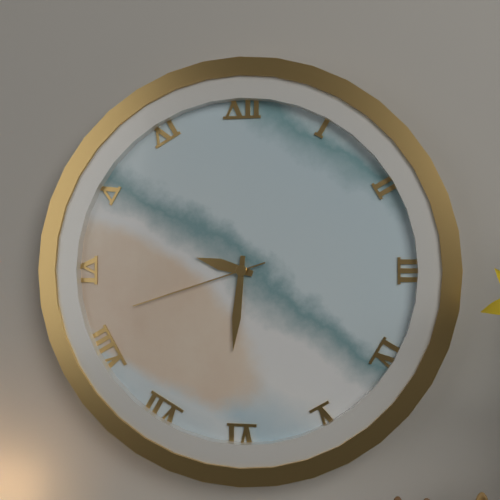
9:31:42
